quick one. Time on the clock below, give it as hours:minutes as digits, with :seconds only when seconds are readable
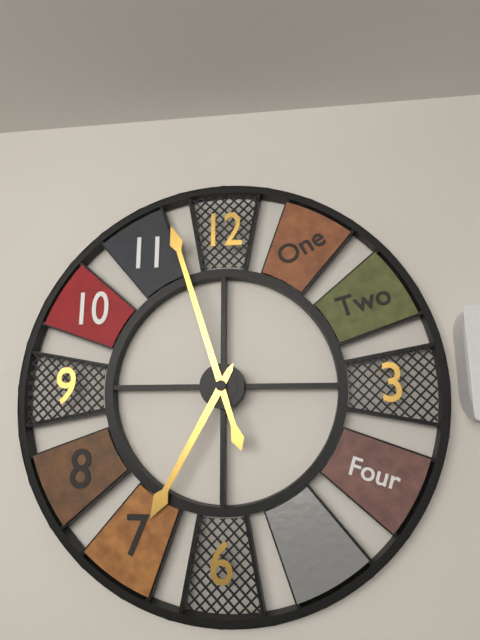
6:57
